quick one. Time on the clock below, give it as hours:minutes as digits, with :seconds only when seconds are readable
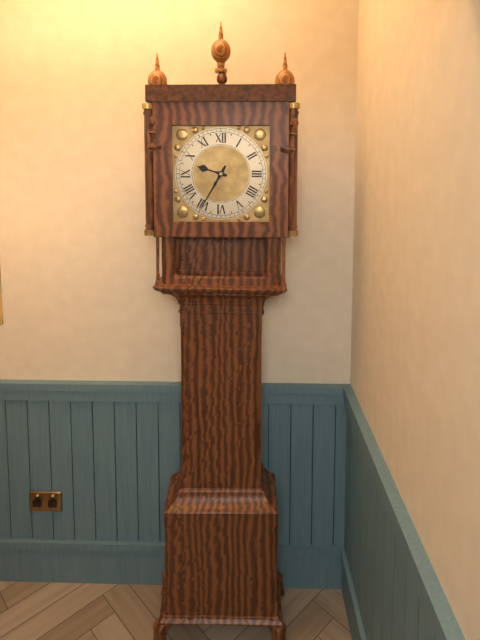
9:35
